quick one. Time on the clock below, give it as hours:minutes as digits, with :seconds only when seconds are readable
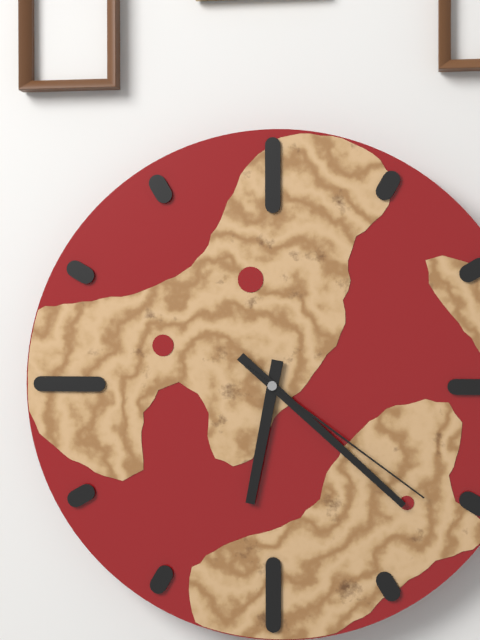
6:22:21
